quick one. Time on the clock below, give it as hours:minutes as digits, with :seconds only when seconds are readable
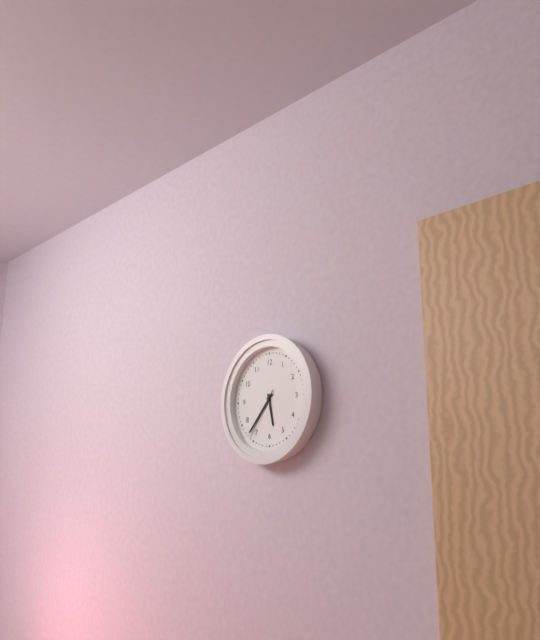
5:37:36
